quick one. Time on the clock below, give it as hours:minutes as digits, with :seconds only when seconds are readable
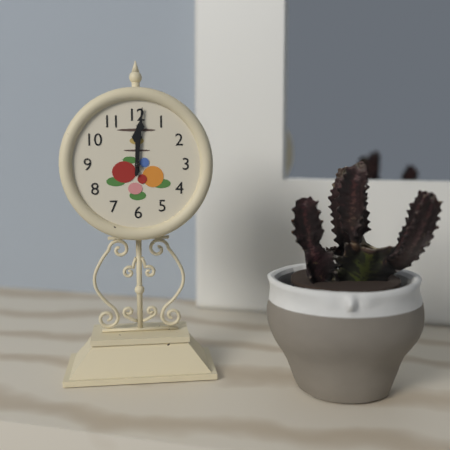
12:01
